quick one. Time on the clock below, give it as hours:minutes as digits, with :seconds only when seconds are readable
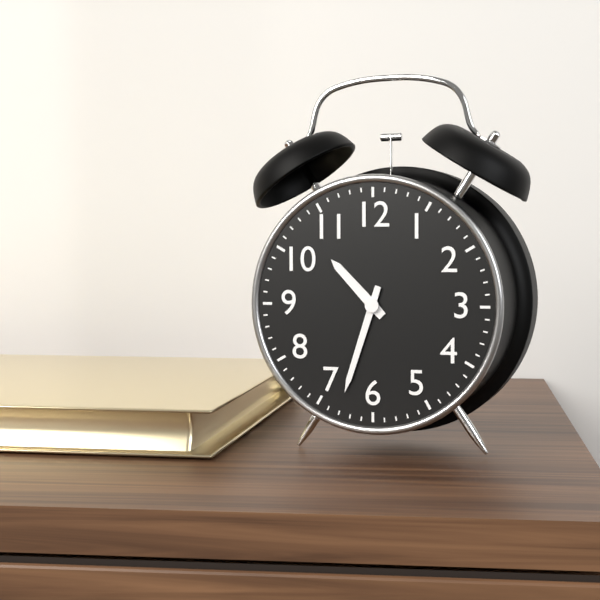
10:33
